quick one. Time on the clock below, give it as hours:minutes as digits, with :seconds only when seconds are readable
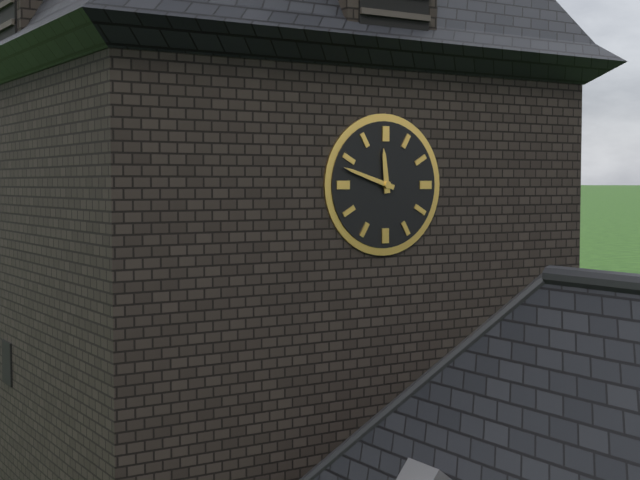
11:48
